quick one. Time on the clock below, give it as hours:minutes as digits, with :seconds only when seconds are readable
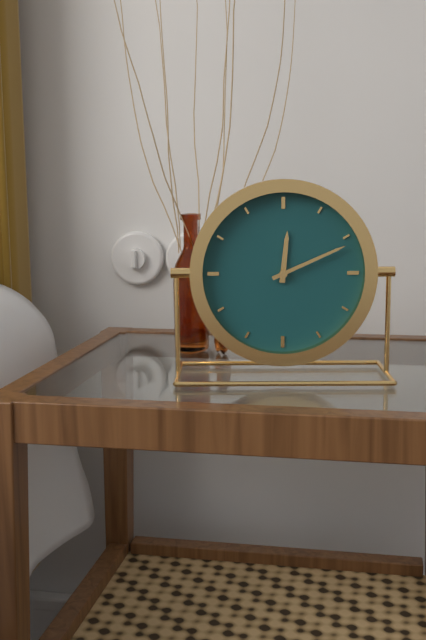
12:11
